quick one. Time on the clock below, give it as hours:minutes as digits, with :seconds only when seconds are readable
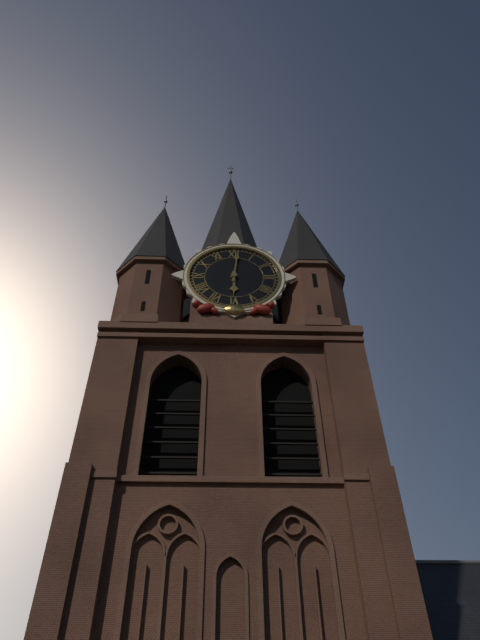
6:01
